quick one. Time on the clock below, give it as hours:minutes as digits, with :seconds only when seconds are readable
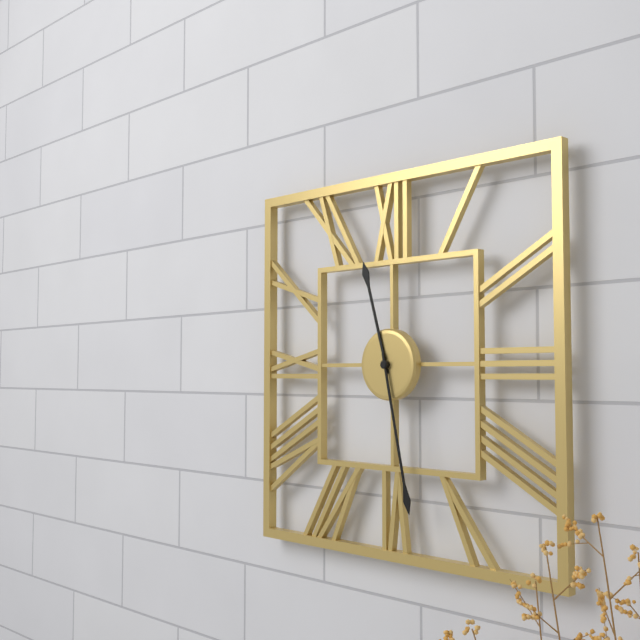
11:28
